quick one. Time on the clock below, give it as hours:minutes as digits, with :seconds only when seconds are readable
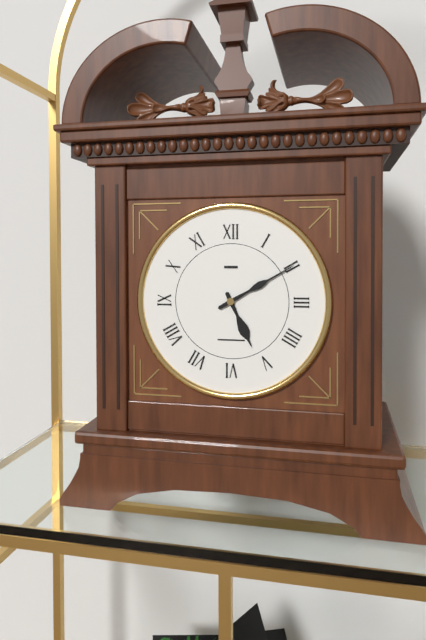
5:10
